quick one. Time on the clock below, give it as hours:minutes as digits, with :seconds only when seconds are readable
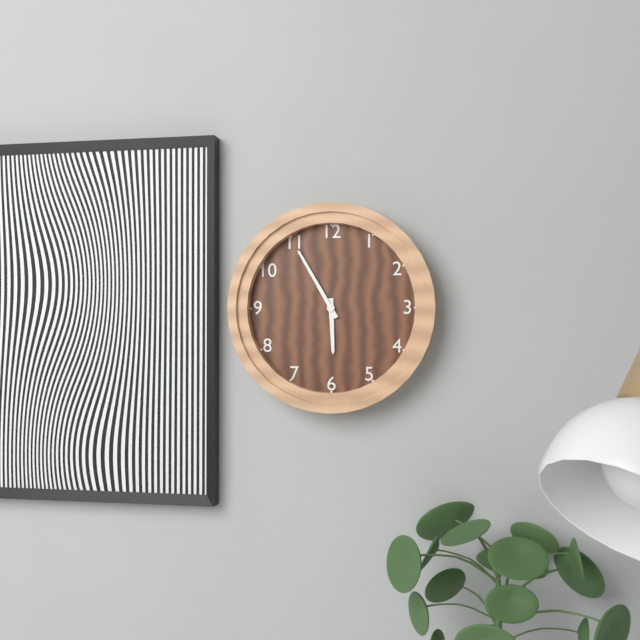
5:55
